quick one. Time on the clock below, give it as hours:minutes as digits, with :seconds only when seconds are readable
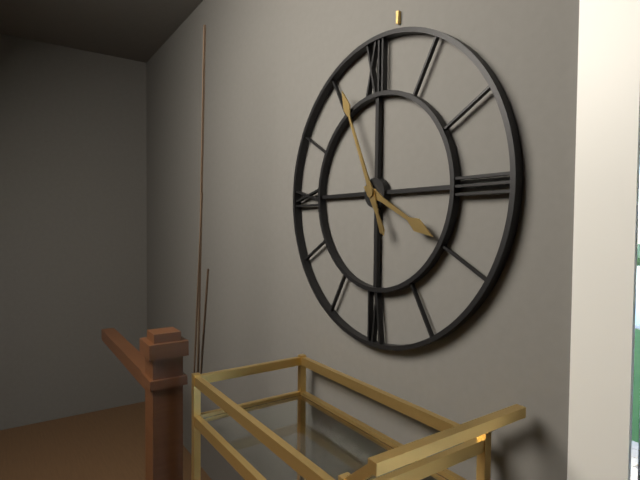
3:56
